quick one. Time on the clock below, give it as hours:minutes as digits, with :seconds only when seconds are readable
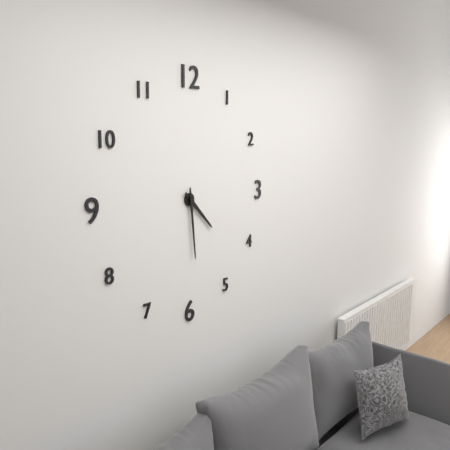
4:29
